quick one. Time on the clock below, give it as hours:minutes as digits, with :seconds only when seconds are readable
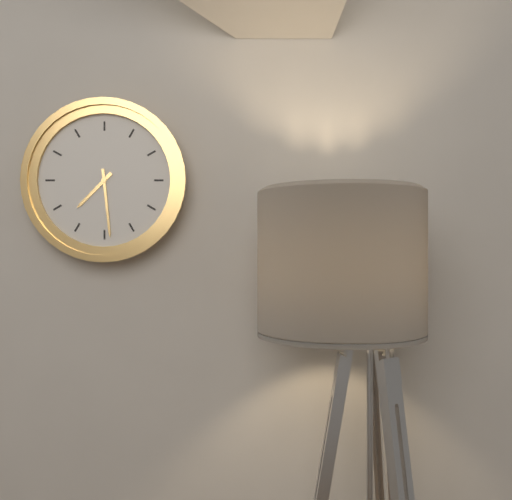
7:29
